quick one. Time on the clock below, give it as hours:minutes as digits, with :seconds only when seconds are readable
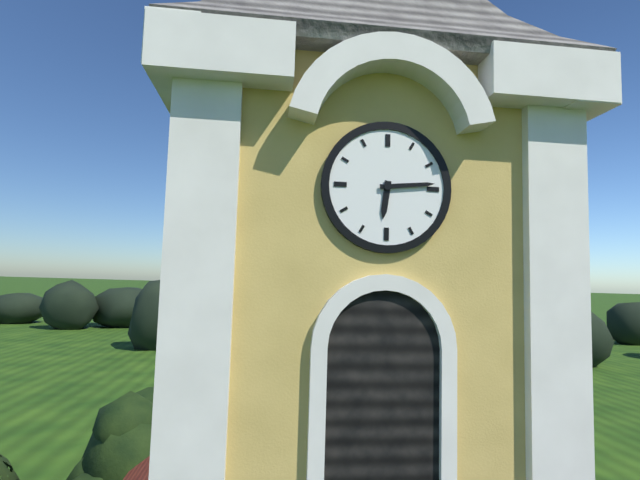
6:14
